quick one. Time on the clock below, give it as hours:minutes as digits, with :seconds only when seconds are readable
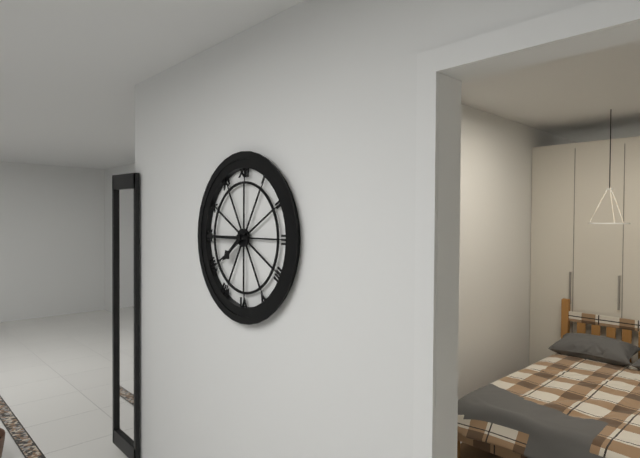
7:45
